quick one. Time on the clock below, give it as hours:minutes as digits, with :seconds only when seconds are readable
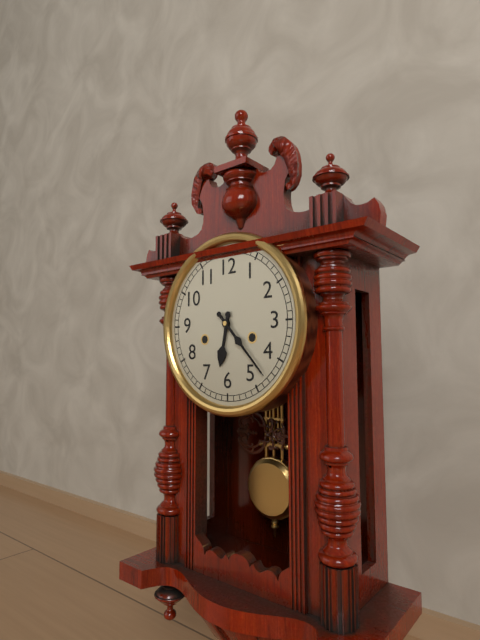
6:23
